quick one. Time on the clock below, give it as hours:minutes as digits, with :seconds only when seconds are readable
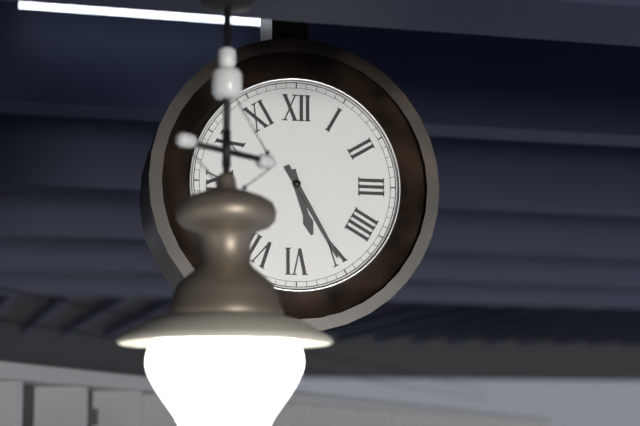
5:25
